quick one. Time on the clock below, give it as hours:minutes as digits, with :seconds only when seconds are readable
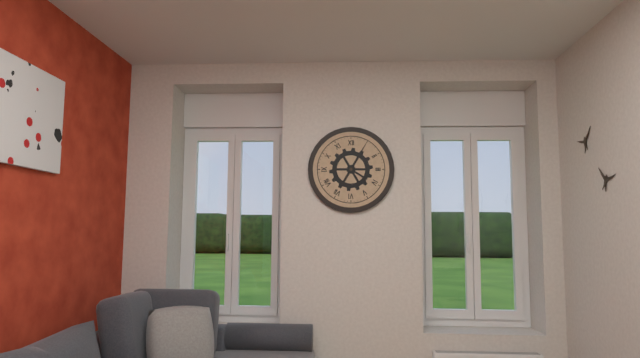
4:05
